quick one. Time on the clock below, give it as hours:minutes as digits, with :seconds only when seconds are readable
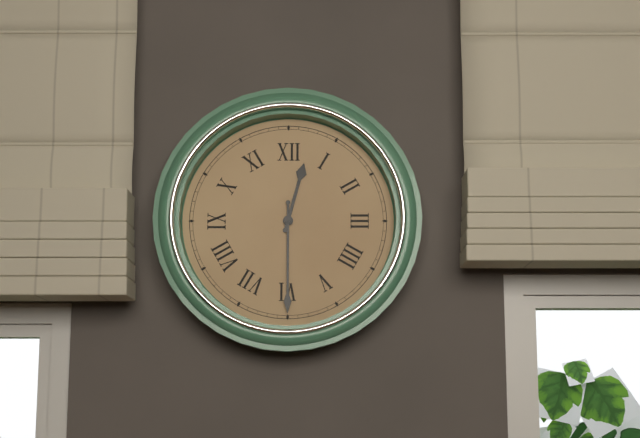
12:30
